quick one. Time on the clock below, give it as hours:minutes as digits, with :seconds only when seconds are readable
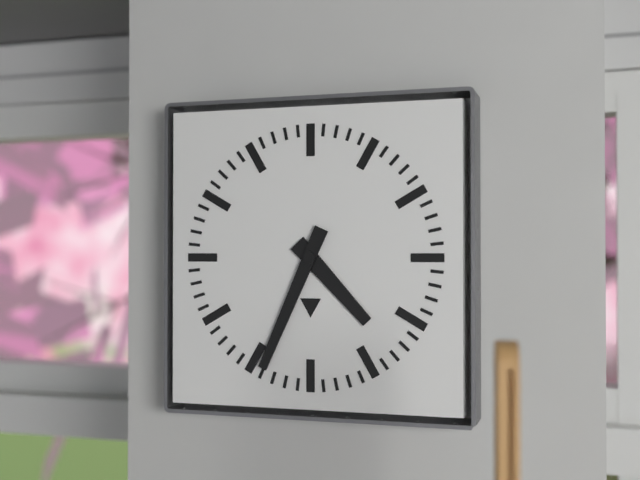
4:34
